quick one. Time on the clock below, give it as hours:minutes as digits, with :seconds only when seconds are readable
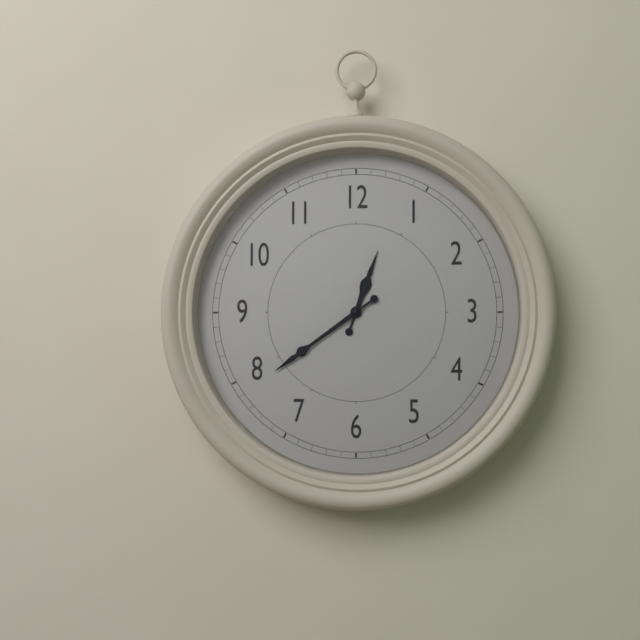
12:39
